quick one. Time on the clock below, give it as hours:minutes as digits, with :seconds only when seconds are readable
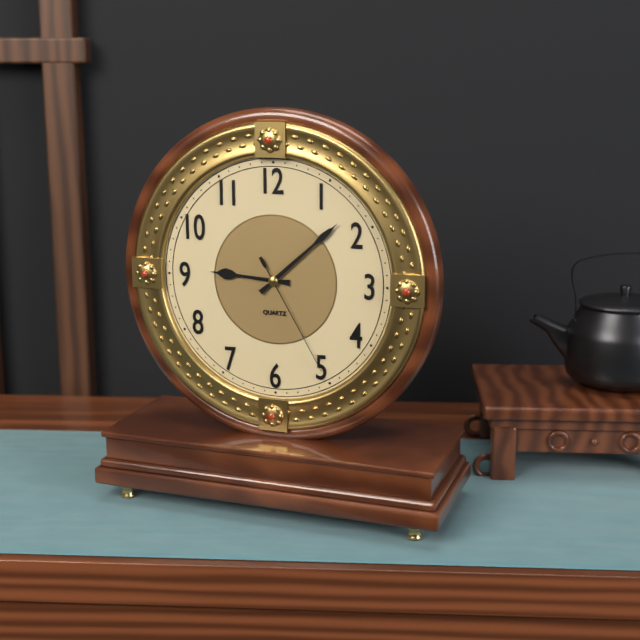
9:08:25
